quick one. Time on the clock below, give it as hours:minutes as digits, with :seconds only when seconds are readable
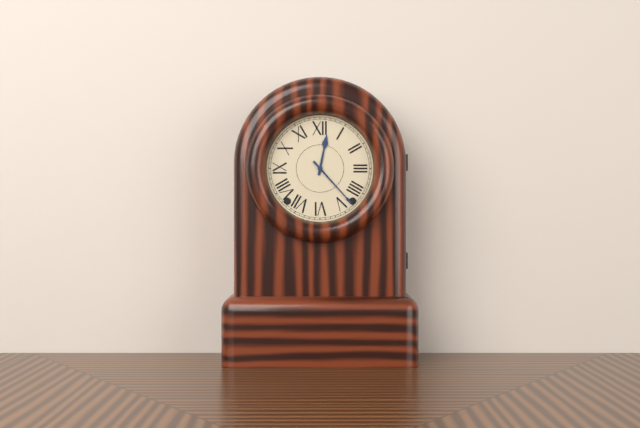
12:23
